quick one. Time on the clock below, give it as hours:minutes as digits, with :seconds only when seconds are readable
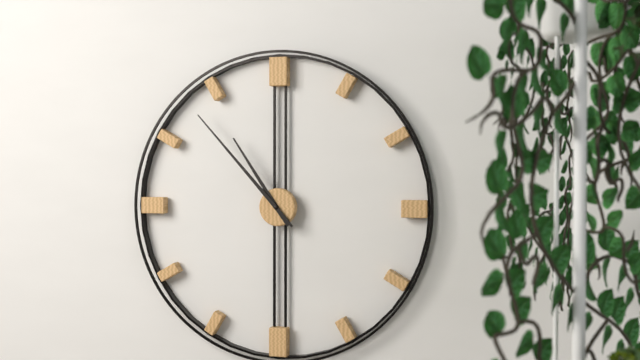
10:53
